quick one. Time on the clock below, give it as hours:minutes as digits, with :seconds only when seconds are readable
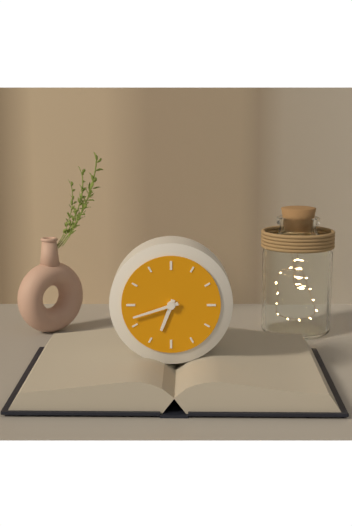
6:42
